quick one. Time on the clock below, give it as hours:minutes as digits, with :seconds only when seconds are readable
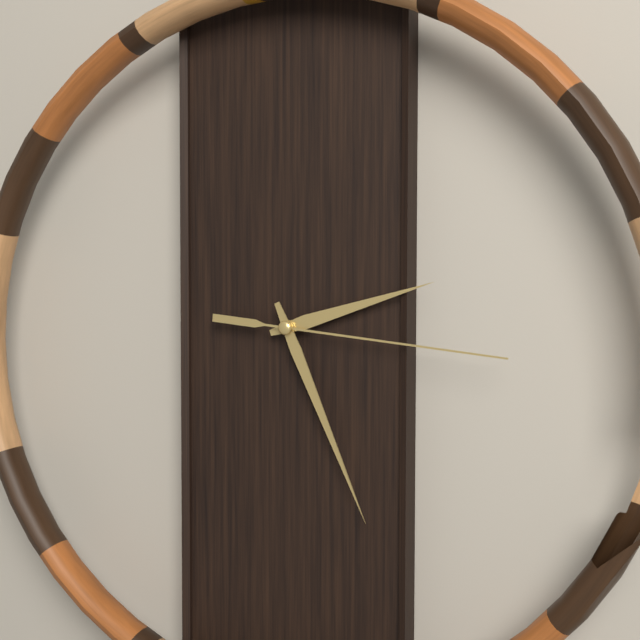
2:26:16
